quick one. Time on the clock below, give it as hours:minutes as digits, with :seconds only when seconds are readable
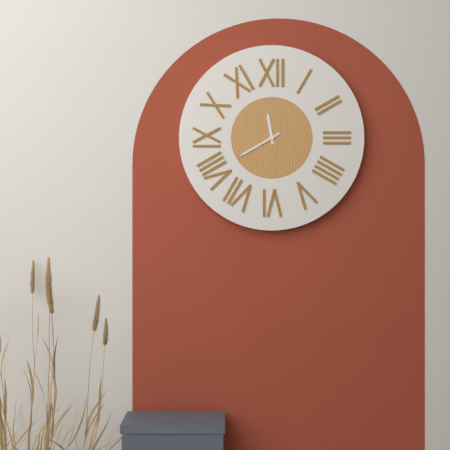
11:40
